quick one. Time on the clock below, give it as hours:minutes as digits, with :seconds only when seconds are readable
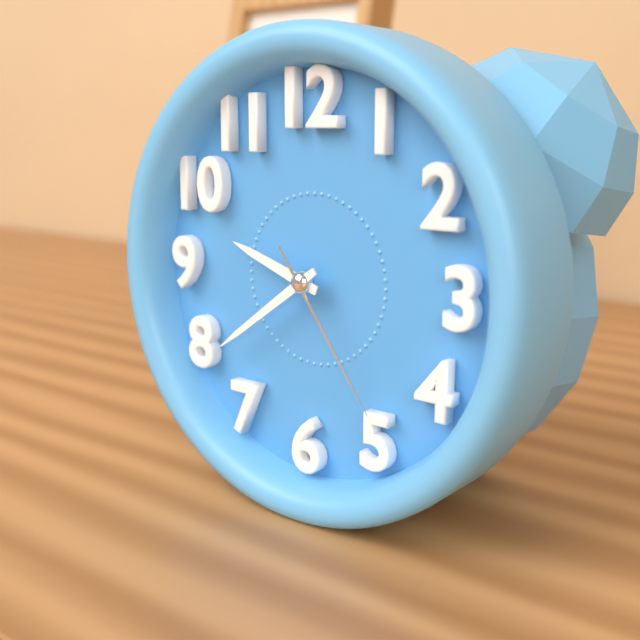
9:39:24
